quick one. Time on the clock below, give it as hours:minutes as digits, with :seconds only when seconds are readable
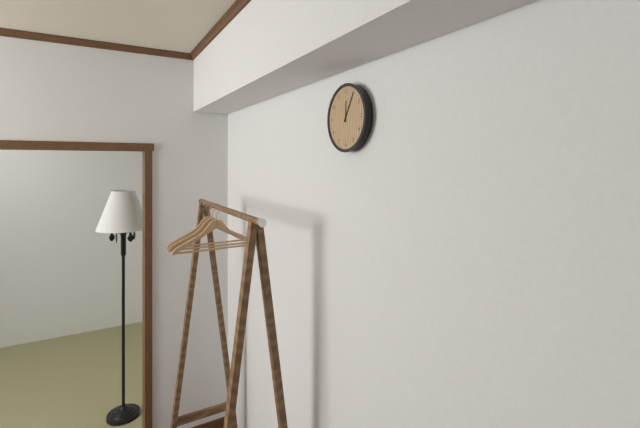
12:05
